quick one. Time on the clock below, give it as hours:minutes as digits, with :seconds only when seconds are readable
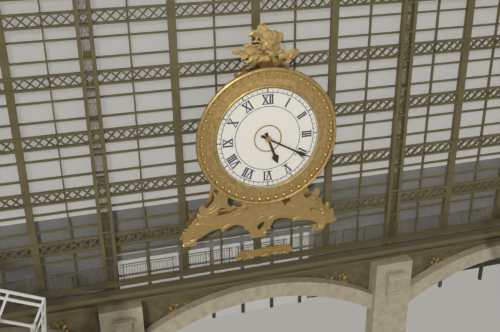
5:20
